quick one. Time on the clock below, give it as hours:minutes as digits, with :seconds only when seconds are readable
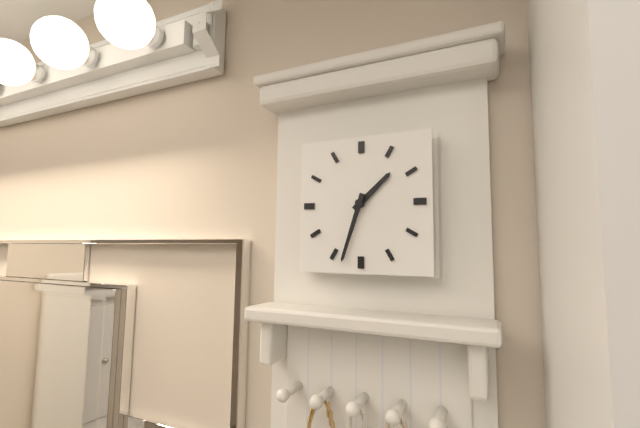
1:33
